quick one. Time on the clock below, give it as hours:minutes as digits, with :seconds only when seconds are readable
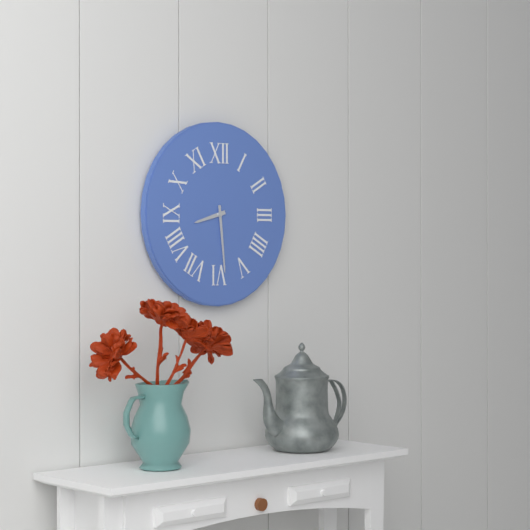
8:29
